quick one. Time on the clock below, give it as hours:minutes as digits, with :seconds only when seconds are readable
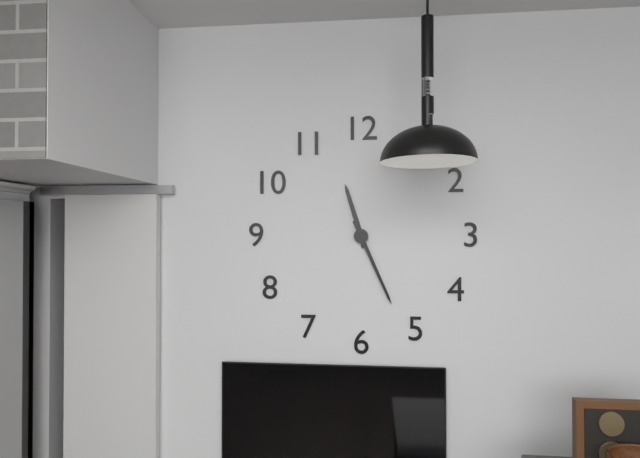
11:26
